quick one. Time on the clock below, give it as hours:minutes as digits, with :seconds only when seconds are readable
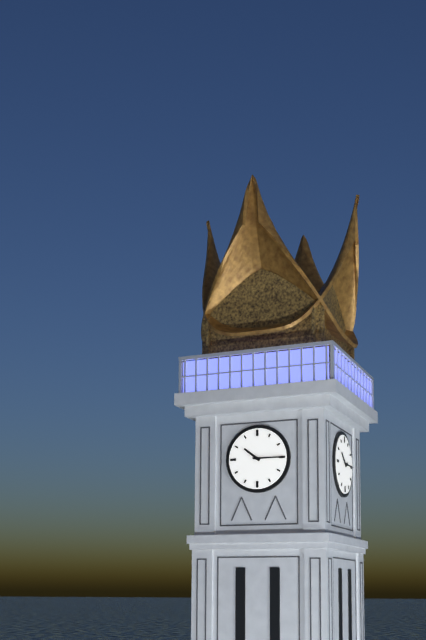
10:15
